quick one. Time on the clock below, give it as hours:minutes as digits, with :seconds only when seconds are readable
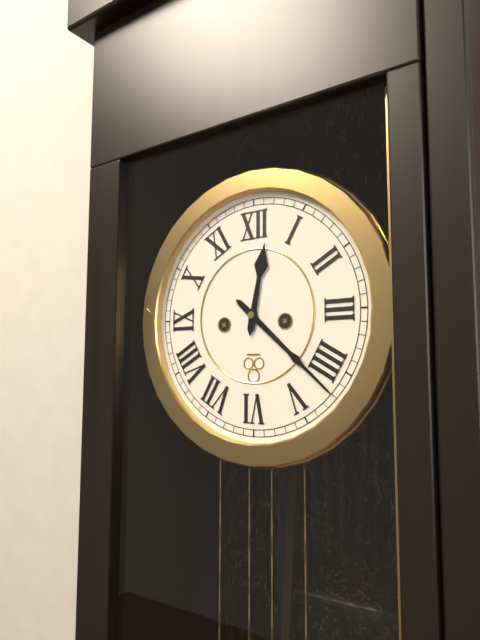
12:22
